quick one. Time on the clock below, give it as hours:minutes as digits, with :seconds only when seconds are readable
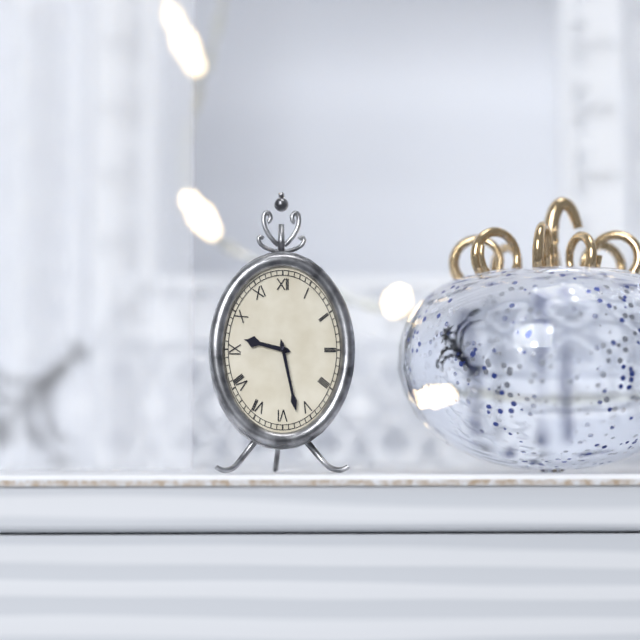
9:28
